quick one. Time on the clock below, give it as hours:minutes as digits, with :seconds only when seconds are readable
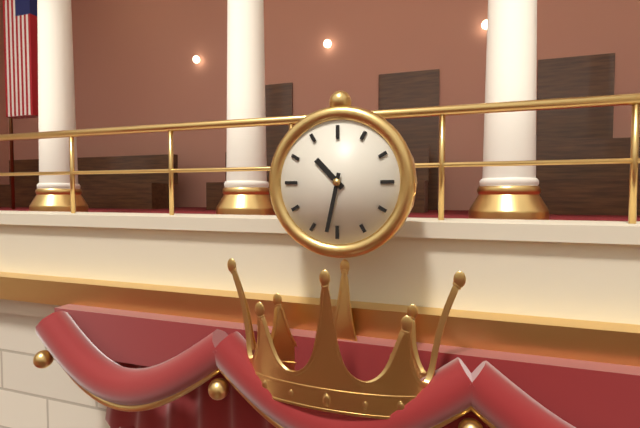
10:32
